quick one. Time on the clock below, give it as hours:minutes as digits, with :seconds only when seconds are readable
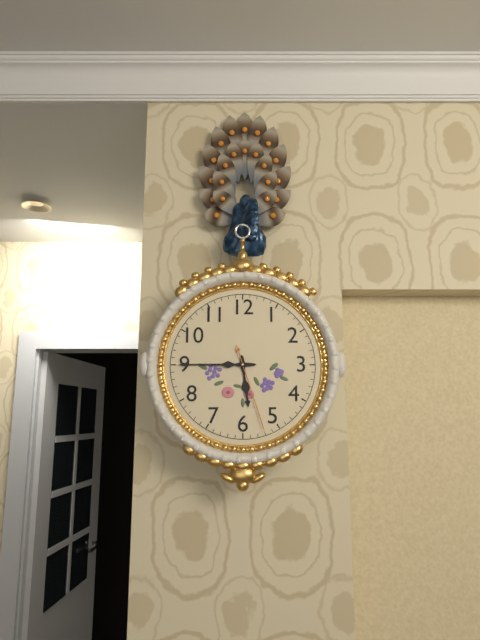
5:45:27
